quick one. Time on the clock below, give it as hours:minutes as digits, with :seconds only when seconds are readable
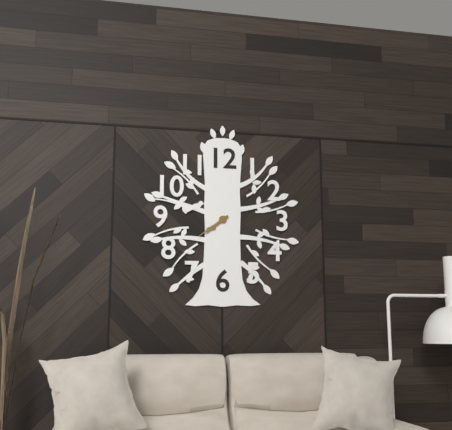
7:39
